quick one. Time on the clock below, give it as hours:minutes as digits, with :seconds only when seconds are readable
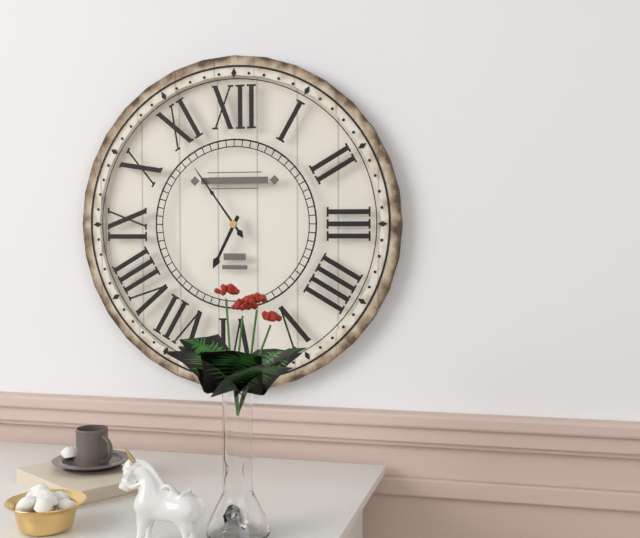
6:54
